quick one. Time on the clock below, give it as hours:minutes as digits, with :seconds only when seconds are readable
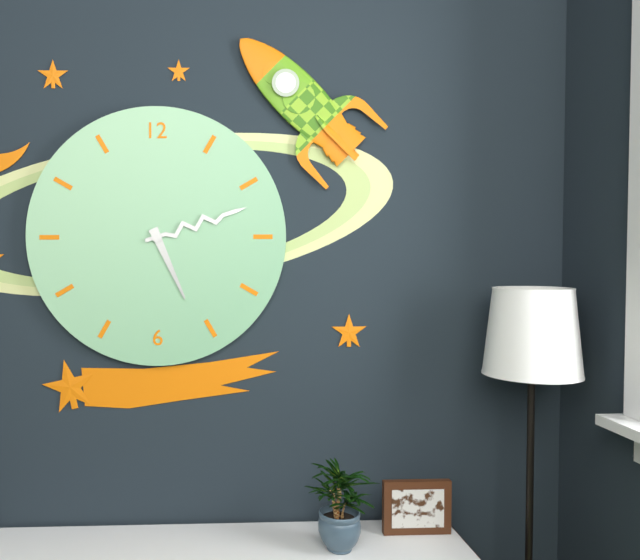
5:12
